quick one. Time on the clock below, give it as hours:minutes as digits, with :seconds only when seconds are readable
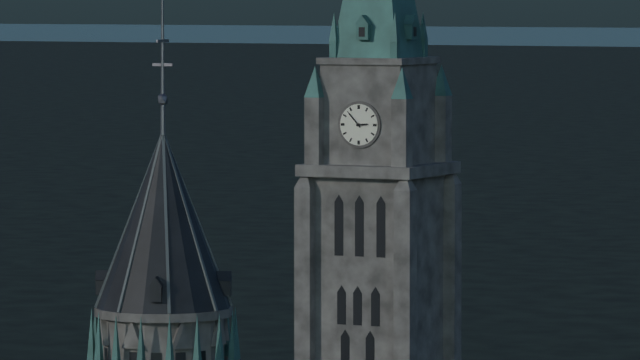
2:53
